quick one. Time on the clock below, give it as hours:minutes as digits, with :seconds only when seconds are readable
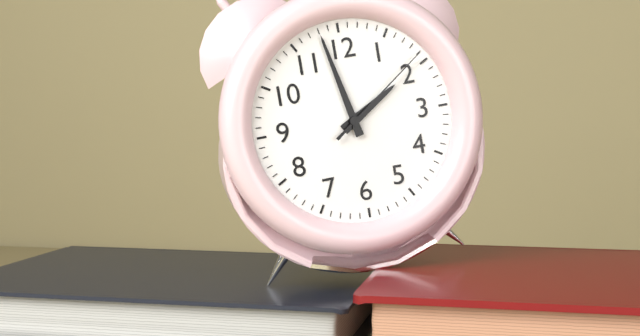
1:58:09
